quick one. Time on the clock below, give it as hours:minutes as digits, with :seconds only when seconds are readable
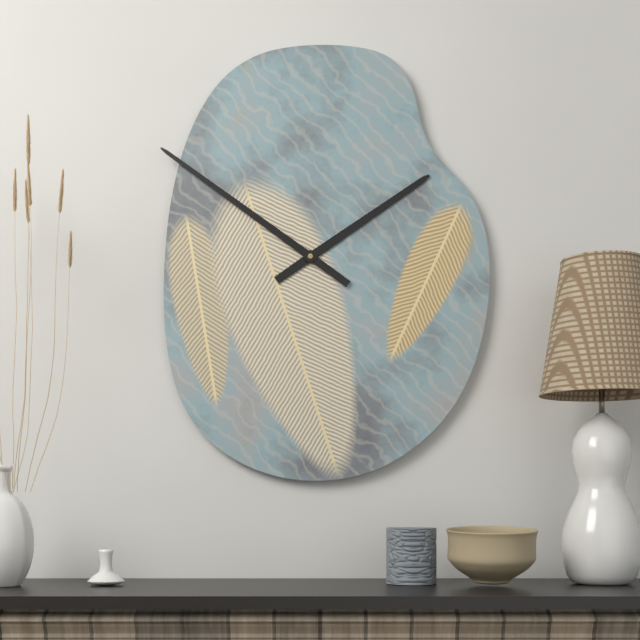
1:51
